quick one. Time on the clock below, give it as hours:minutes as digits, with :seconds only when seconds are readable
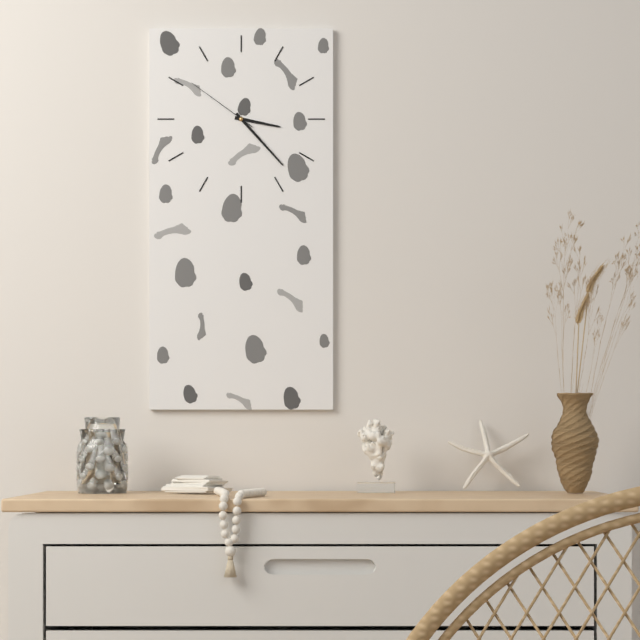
3:23:51
